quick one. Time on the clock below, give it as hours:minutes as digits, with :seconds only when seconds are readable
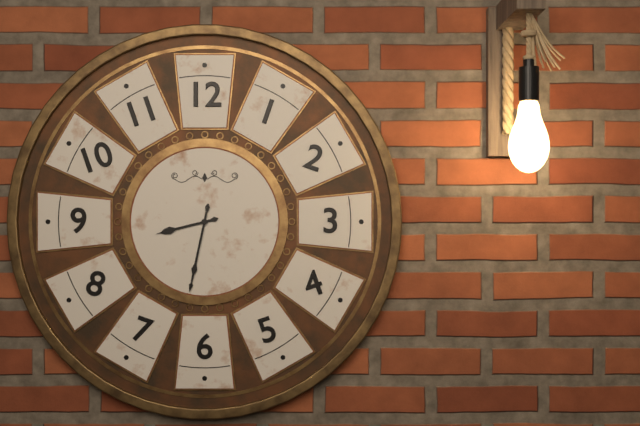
8:32
